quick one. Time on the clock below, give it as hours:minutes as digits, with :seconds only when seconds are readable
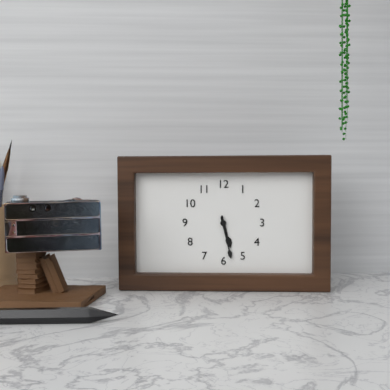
5:28
